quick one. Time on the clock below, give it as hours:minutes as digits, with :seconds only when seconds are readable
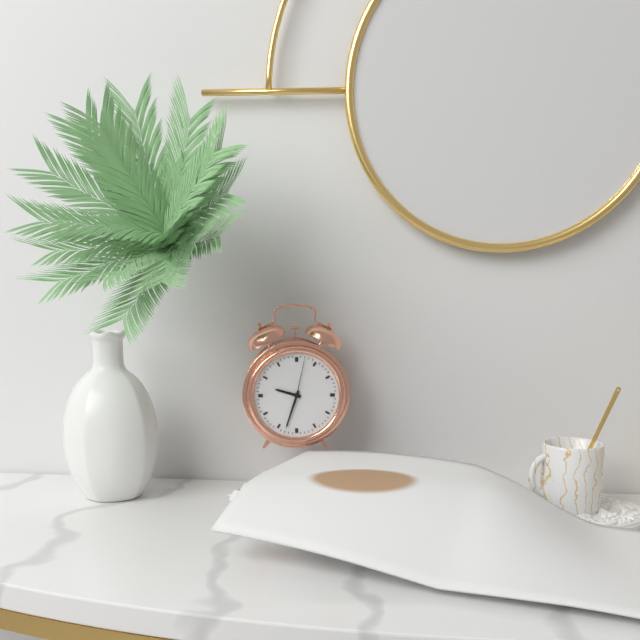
9:33
